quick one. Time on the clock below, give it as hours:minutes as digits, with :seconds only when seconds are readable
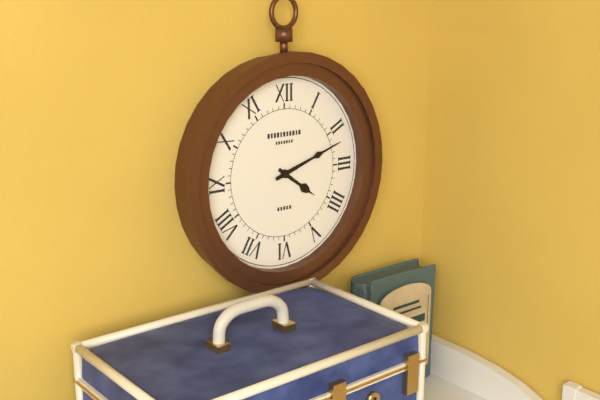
4:12
